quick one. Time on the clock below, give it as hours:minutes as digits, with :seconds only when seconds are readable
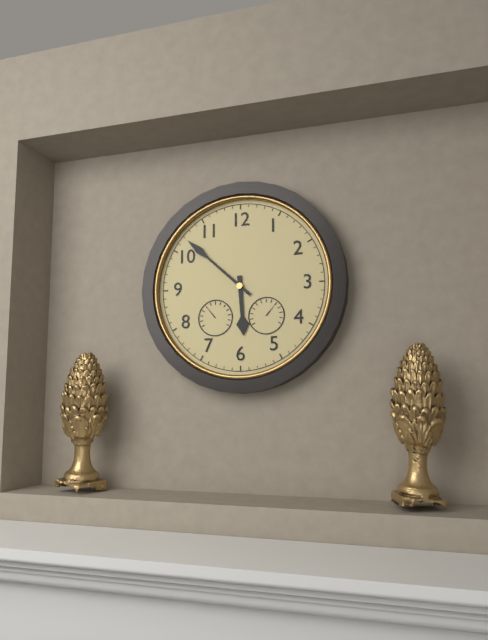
5:52
